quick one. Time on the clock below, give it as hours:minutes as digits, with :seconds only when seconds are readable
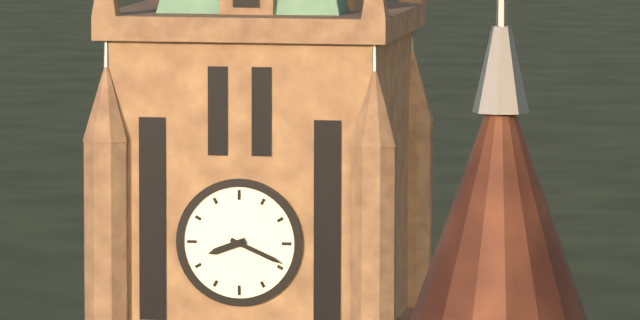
8:19
